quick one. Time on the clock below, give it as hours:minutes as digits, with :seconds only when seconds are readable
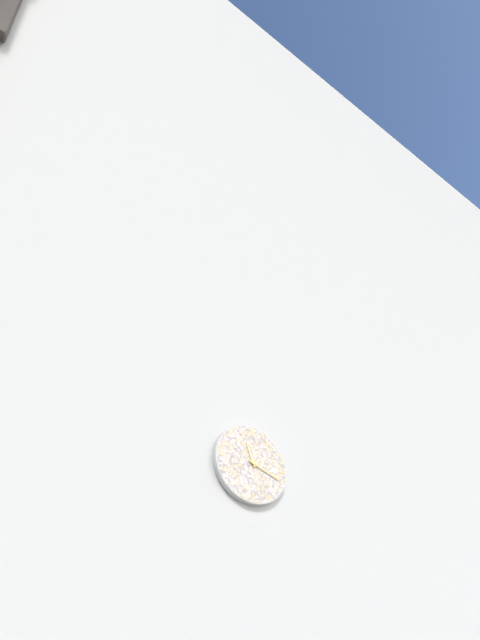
11:18
